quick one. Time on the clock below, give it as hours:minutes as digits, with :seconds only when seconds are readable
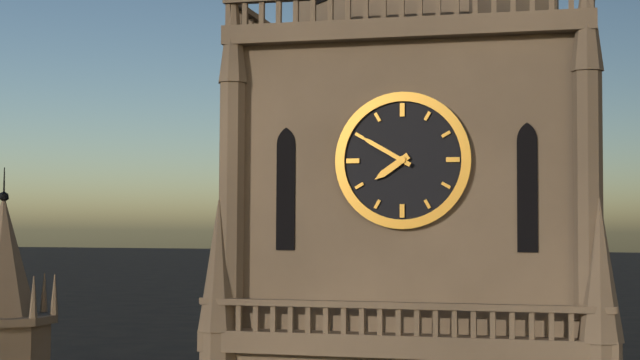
7:50
